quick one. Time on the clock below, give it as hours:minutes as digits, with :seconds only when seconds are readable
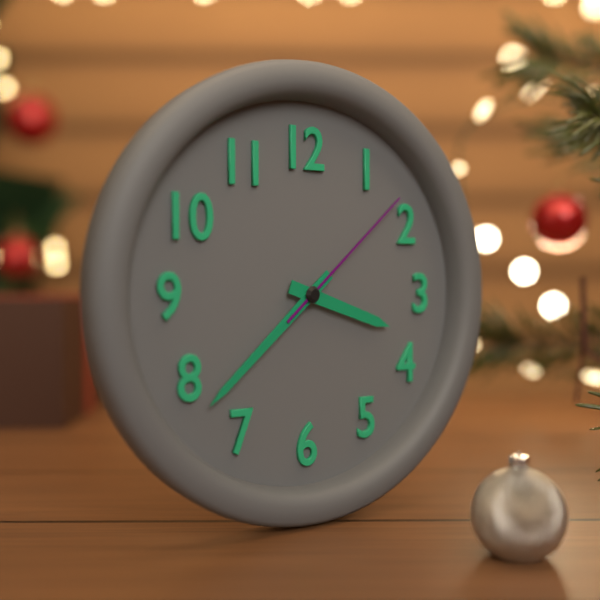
3:38:08
